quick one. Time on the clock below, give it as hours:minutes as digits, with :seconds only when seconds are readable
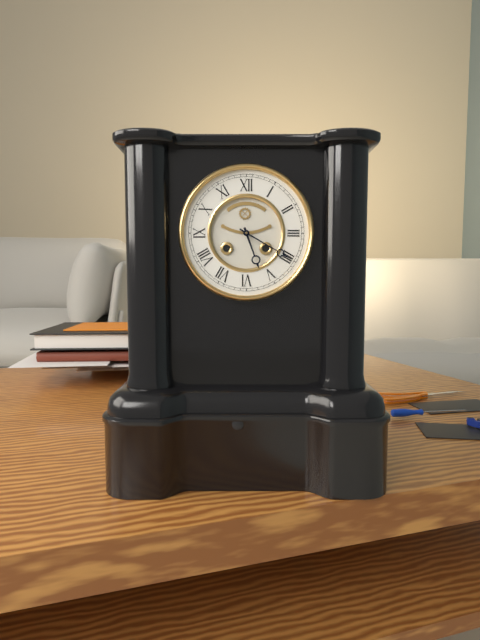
5:20
